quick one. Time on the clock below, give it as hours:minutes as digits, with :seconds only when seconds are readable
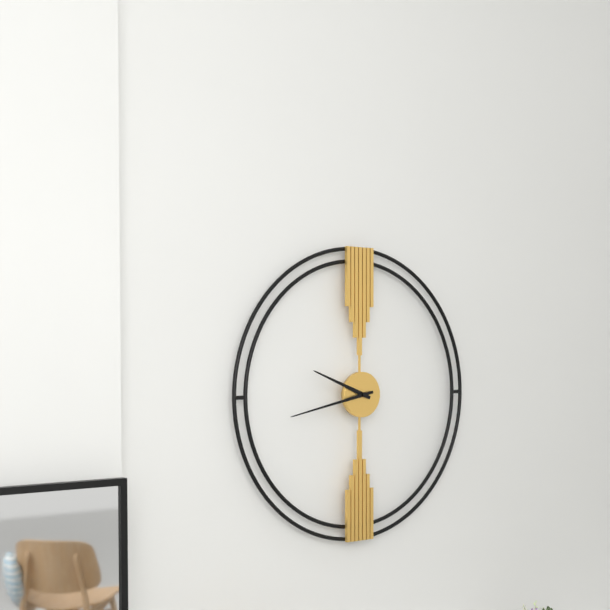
9:43
